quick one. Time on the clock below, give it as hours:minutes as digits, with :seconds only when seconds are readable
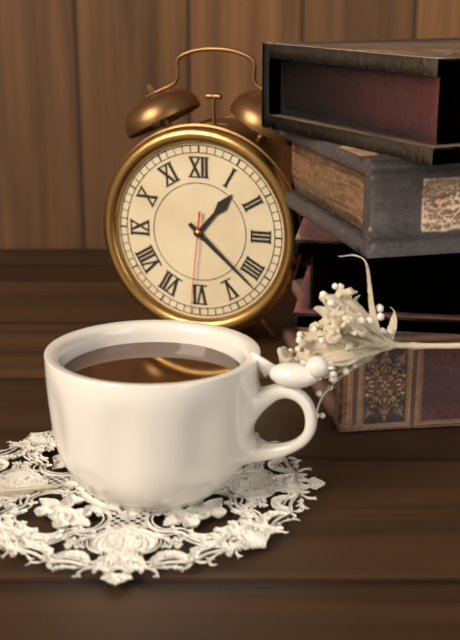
1:22:31
